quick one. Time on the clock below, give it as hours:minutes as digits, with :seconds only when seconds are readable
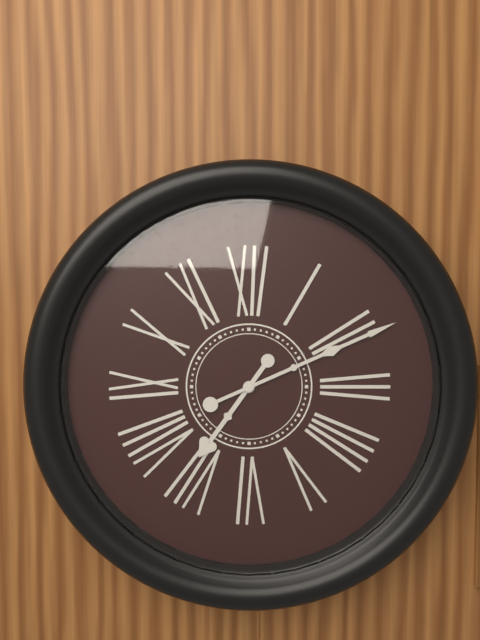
7:11
